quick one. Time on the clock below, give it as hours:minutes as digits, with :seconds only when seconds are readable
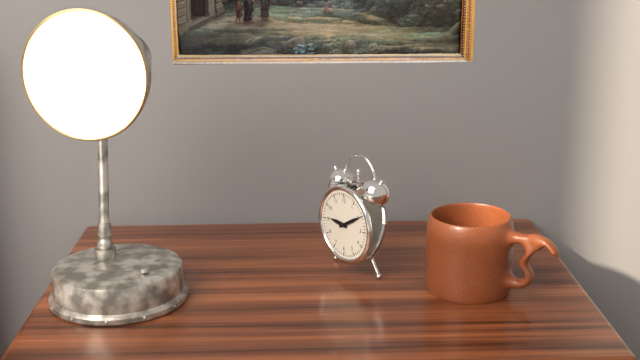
9:10
